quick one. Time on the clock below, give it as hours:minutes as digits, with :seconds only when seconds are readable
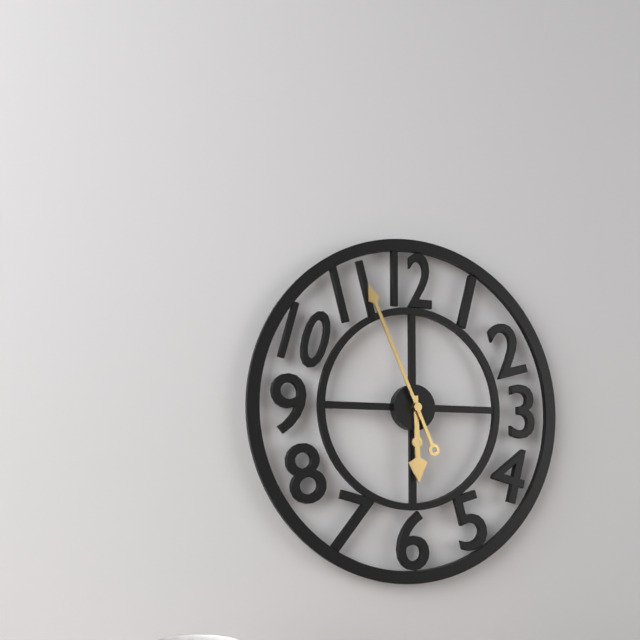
5:56
